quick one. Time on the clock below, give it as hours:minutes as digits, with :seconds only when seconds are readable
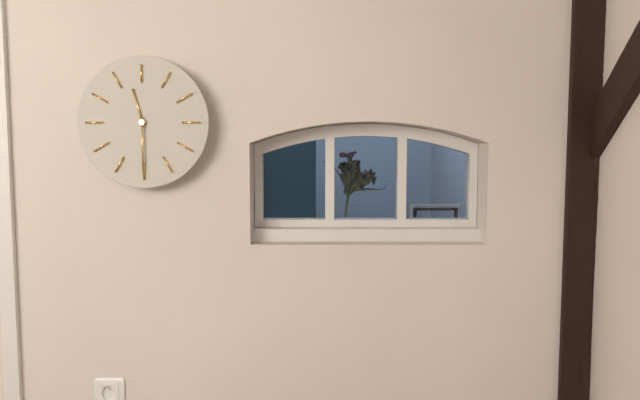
11:30
